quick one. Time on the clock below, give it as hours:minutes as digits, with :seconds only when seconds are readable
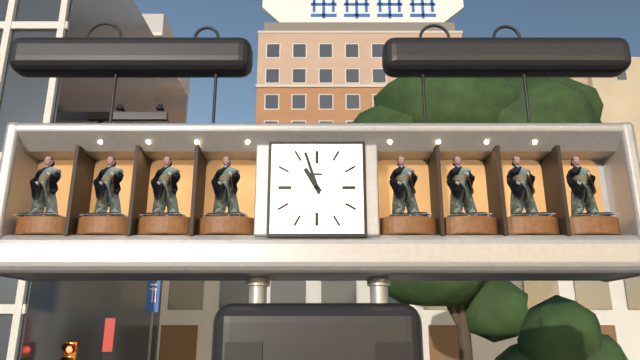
10:57
